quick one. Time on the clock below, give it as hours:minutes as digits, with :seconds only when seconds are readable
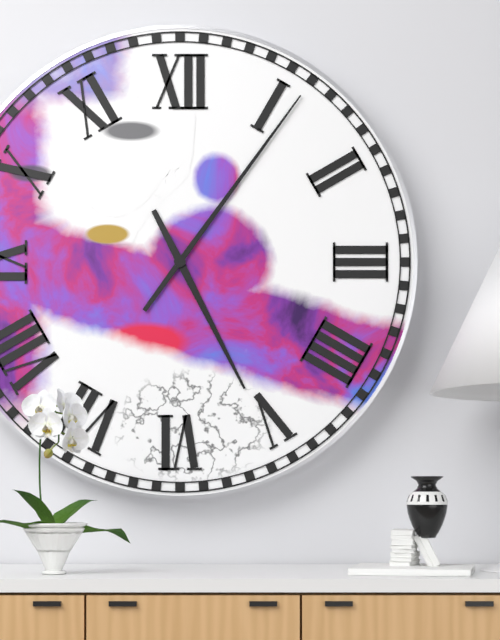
5:06
